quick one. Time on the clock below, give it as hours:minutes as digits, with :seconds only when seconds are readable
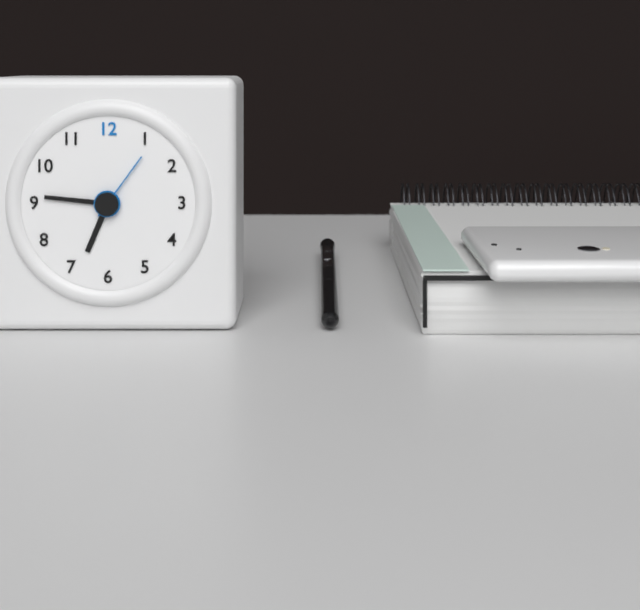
6:46:06
